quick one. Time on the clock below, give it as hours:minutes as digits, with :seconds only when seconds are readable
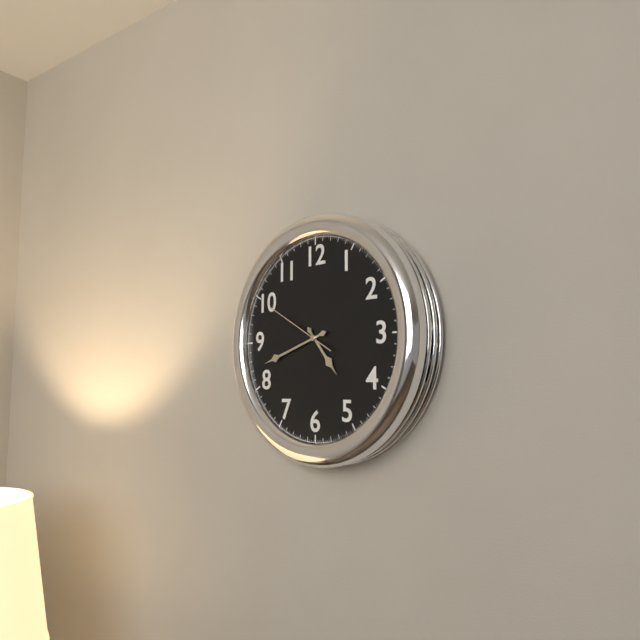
4:42:50
